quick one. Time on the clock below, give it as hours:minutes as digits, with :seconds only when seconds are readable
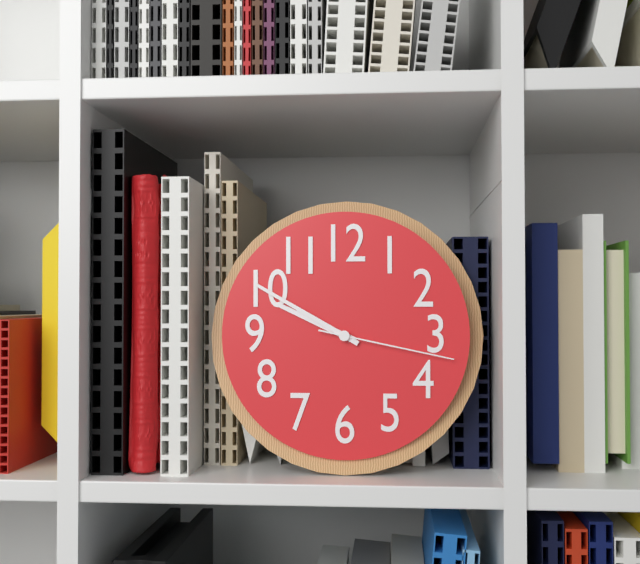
9:50:17
